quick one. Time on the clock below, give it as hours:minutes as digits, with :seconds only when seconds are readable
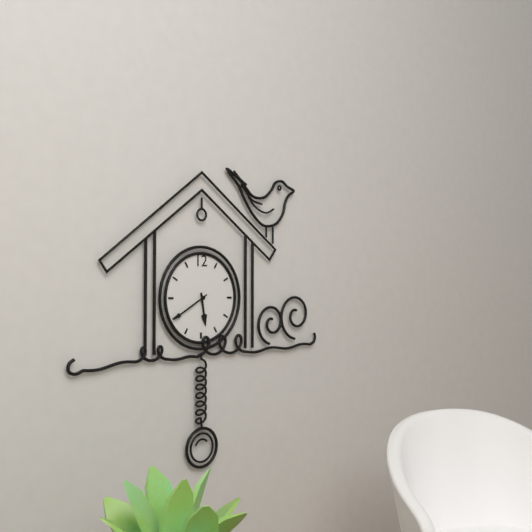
5:40
